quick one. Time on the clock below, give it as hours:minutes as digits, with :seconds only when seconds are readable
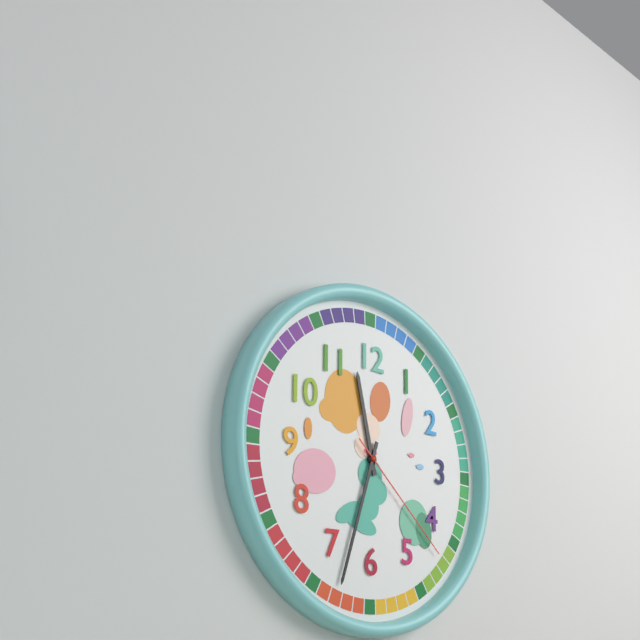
11:33:22
